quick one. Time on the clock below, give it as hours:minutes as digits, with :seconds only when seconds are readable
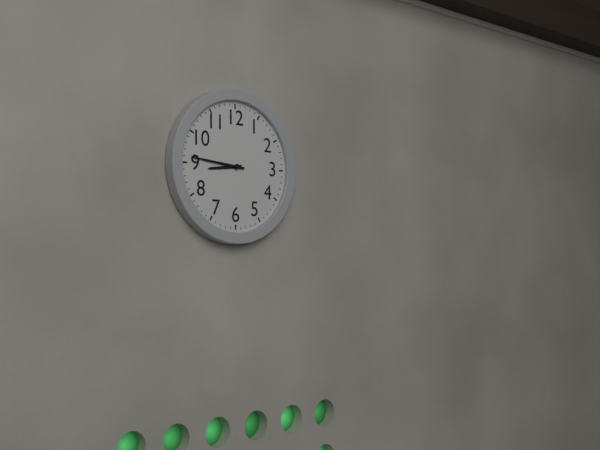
8:46
